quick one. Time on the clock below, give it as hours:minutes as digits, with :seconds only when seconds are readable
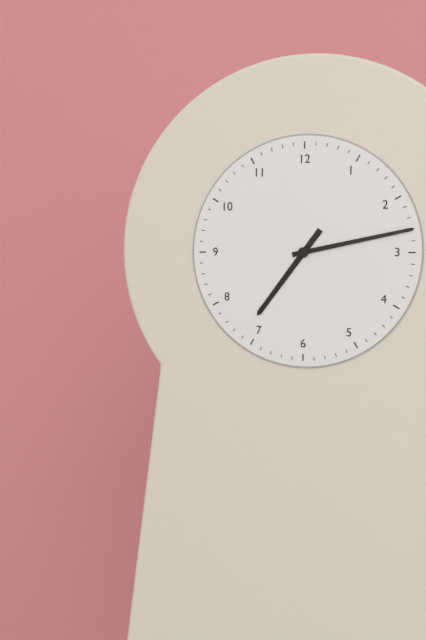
7:13
